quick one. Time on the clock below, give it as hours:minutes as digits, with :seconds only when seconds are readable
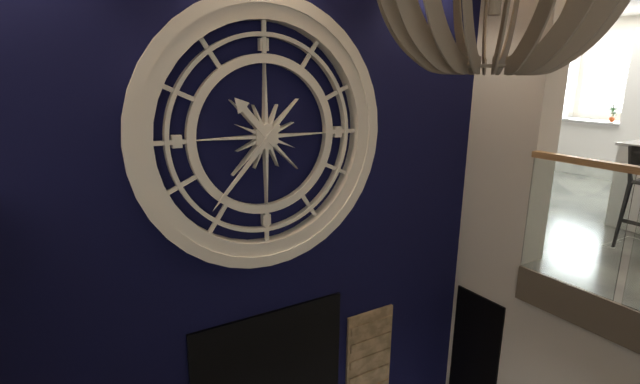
10:37
